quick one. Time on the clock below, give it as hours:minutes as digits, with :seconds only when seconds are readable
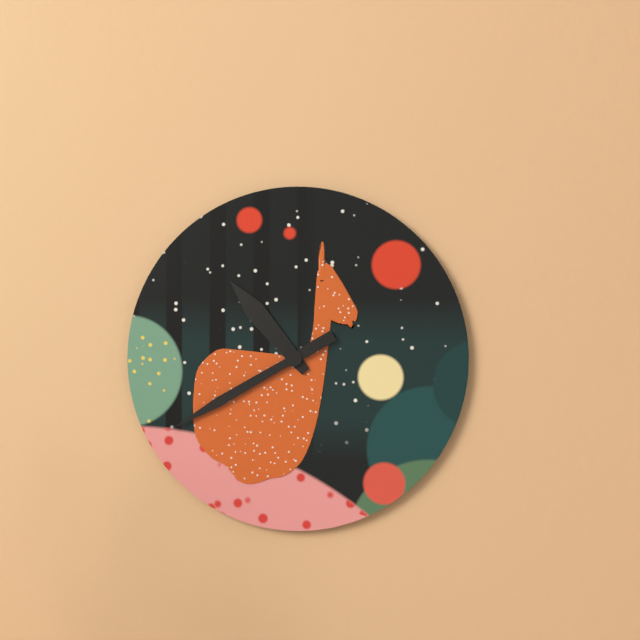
10:40
